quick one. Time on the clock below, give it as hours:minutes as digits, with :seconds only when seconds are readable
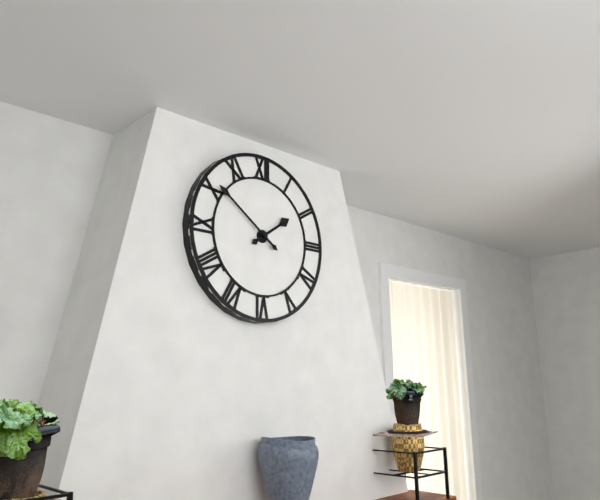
1:51
